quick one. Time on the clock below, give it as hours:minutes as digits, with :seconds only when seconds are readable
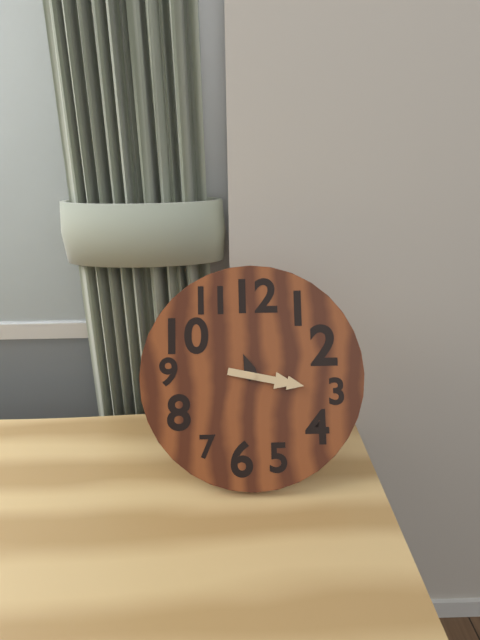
11:17
